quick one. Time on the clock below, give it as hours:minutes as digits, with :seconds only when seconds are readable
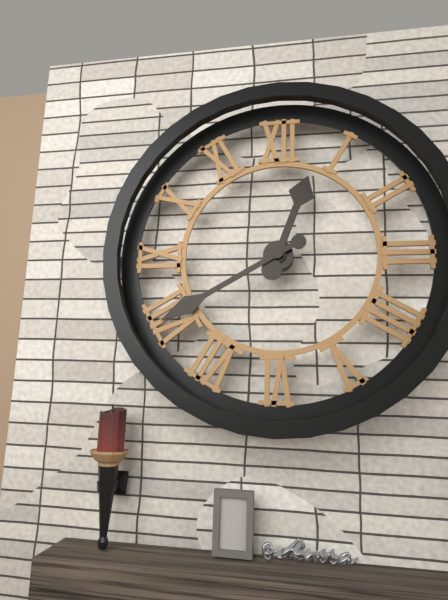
12:40
